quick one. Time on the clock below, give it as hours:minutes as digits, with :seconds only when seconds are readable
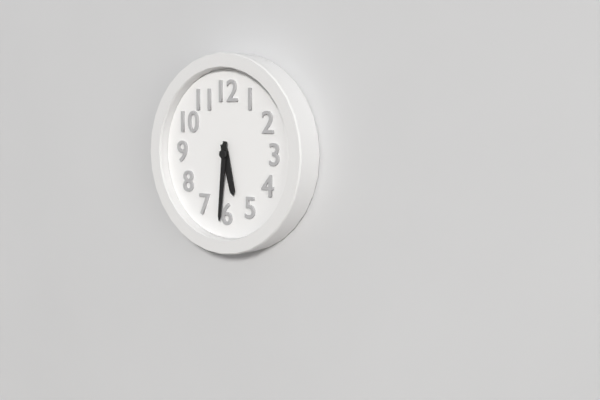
5:31
